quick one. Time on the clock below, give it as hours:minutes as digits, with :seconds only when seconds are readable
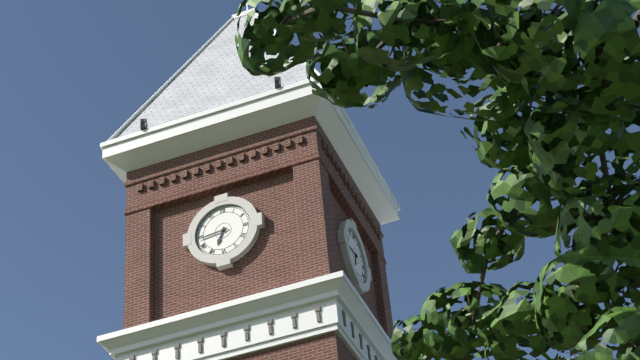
6:44
